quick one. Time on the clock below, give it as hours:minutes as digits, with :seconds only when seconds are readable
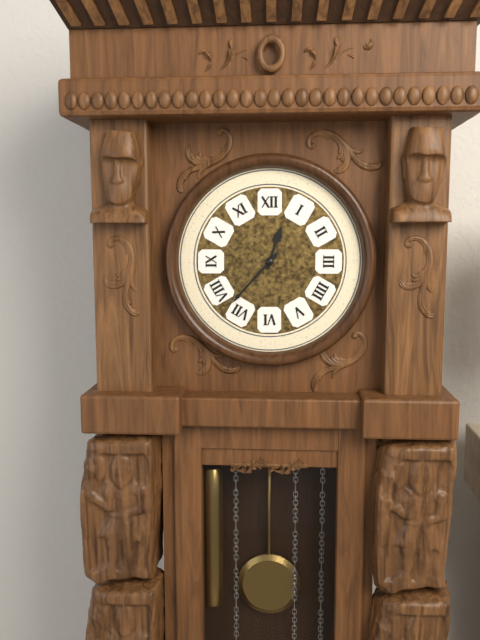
12:37
